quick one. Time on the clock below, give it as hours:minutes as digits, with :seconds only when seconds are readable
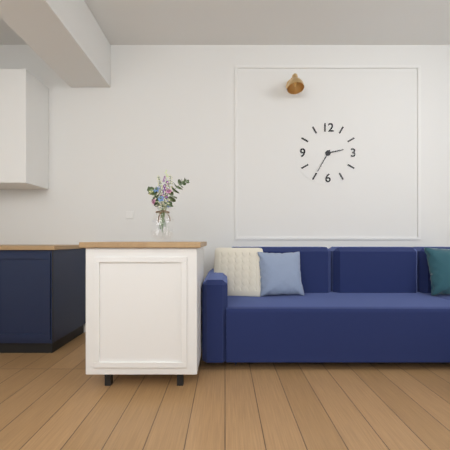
2:35
